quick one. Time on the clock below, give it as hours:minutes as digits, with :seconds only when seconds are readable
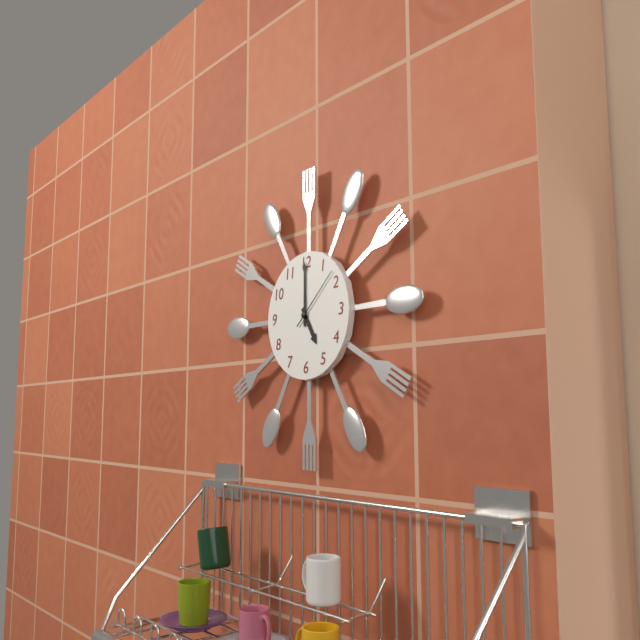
5:00:08
